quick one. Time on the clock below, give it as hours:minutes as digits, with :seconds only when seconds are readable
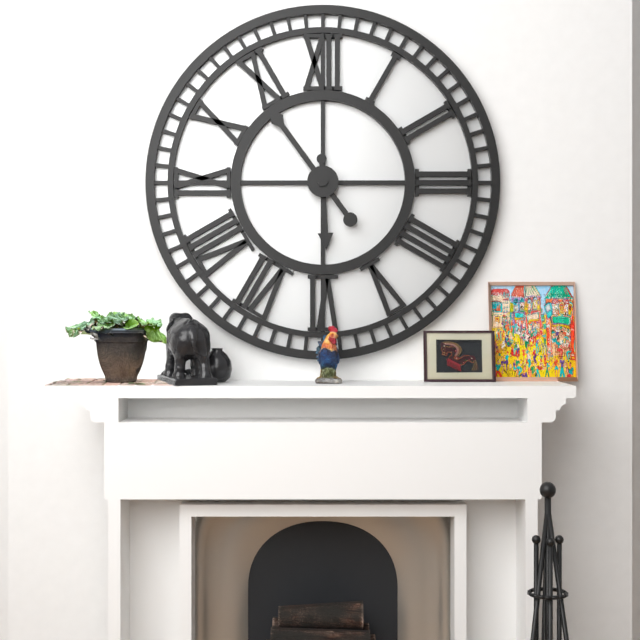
5:54
